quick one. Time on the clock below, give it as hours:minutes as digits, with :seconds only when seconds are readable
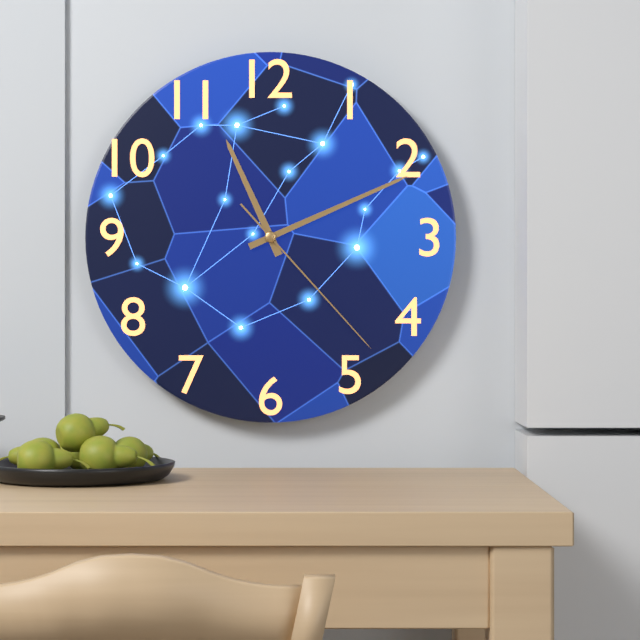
11:11:23
